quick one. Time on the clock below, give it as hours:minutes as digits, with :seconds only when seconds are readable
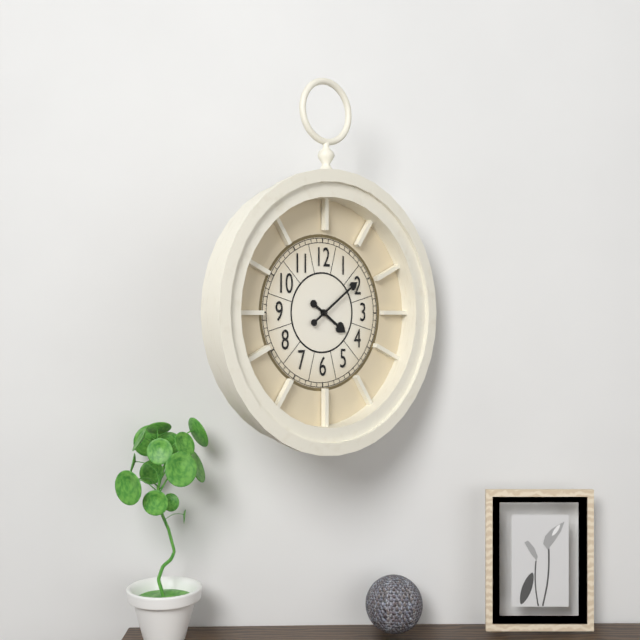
4:09
